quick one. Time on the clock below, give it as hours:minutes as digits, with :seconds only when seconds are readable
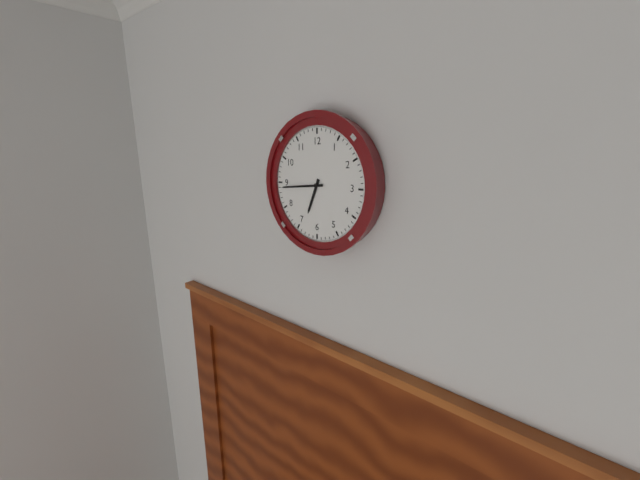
6:44
